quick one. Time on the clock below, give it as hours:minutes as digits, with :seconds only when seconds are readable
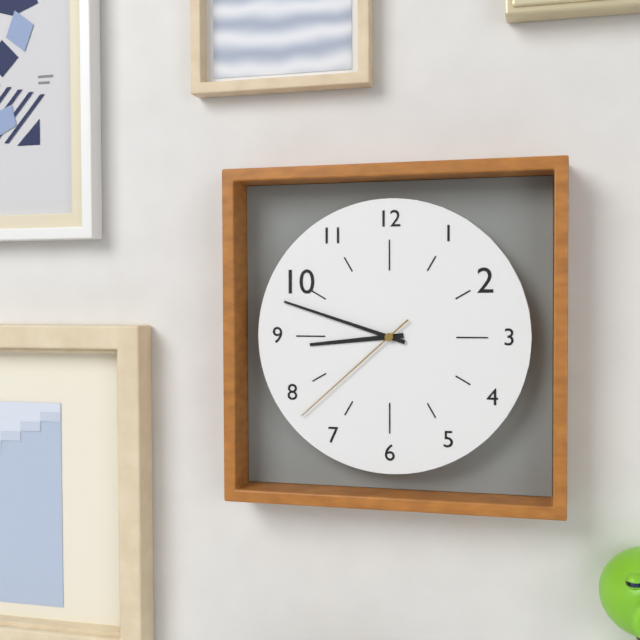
8:48:38
